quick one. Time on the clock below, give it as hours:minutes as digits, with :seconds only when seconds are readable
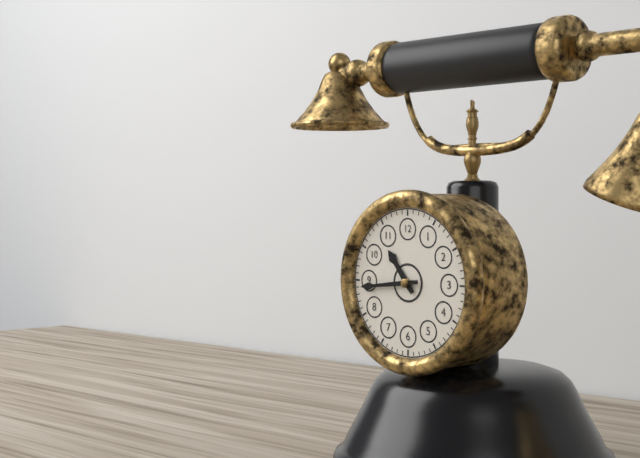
10:44
